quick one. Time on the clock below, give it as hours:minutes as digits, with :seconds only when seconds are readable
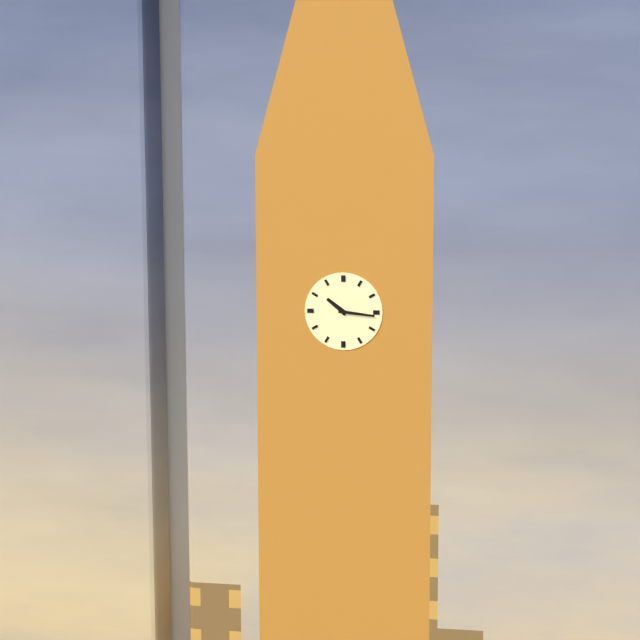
10:16
